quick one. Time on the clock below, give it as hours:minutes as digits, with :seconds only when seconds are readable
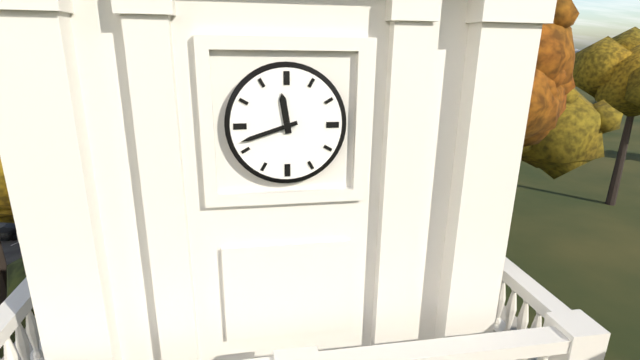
11:42
